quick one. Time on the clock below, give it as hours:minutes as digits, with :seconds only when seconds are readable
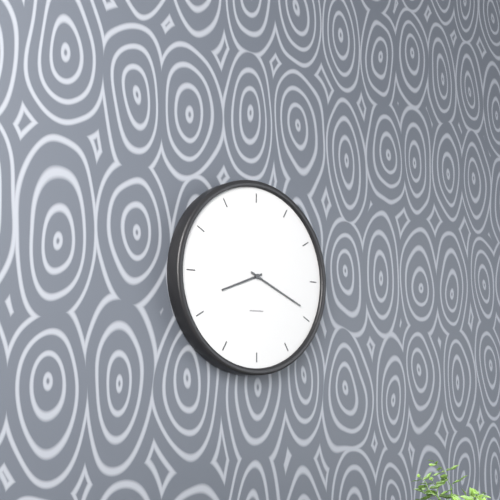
8:19
